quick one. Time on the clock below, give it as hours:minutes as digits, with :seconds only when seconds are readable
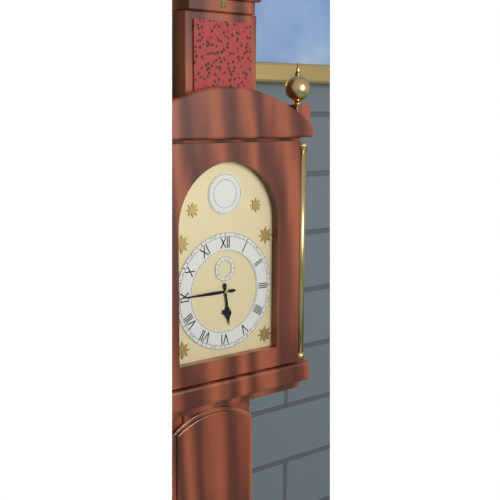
5:45
